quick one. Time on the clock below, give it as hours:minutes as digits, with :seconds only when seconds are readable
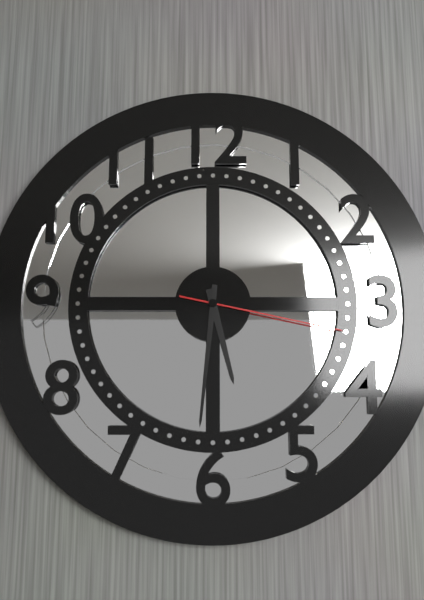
5:31:17
